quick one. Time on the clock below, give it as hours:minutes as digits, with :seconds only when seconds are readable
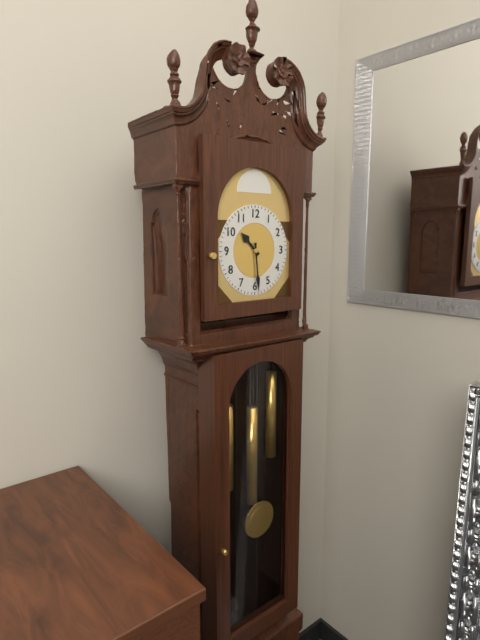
10:29
